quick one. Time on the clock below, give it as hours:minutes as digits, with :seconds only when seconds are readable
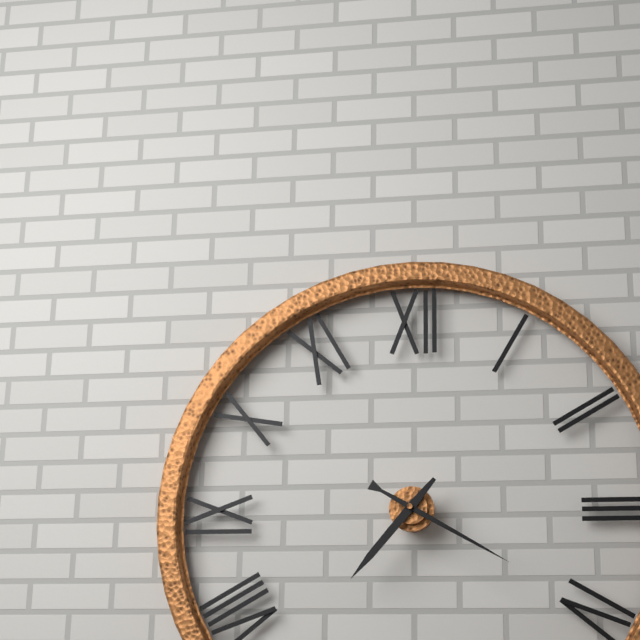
7:20
